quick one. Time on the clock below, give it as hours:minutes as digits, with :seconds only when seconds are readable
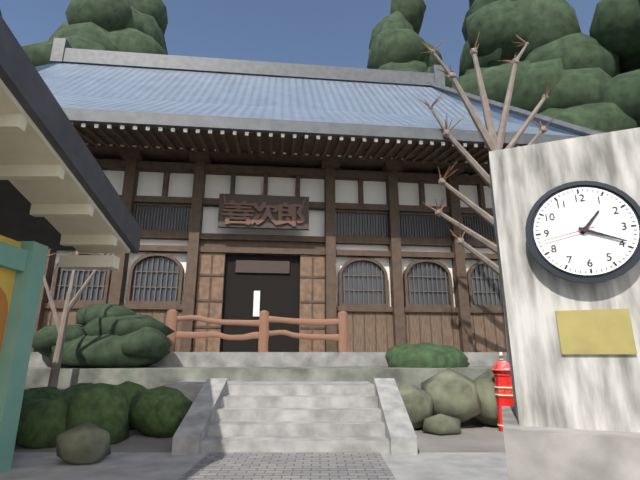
1:19
